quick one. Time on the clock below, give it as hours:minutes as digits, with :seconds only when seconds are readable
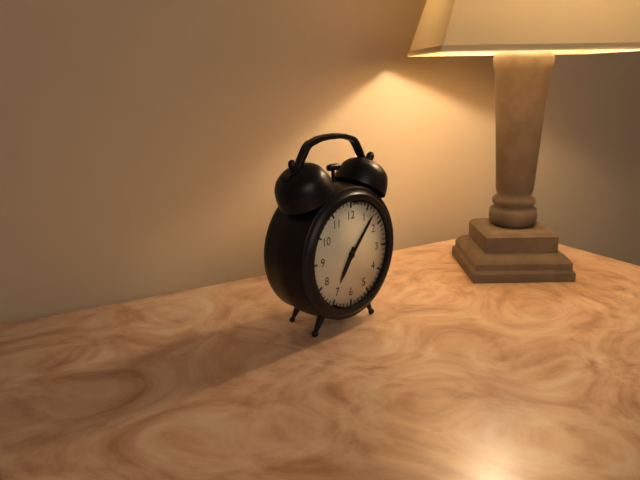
7:07
